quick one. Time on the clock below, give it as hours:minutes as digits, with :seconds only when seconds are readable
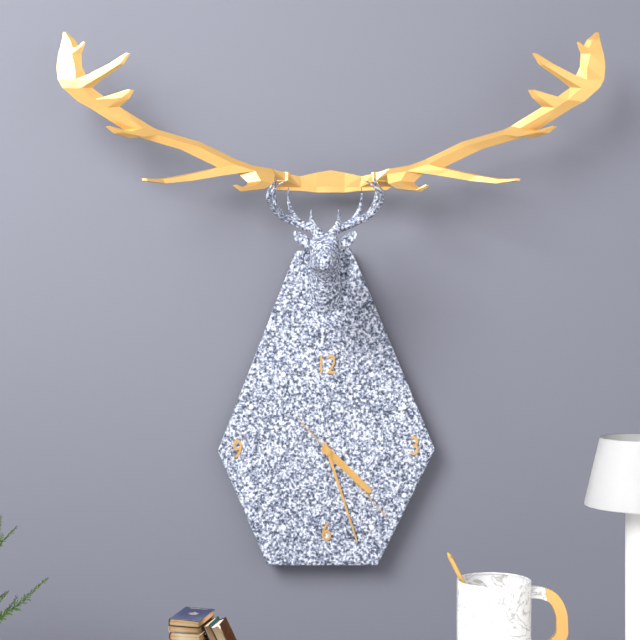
4:27:23
